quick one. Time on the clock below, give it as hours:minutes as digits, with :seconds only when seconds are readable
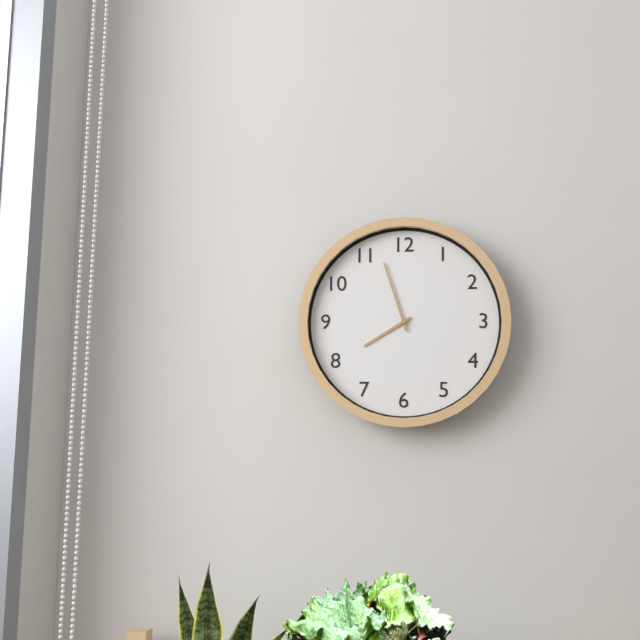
7:57
